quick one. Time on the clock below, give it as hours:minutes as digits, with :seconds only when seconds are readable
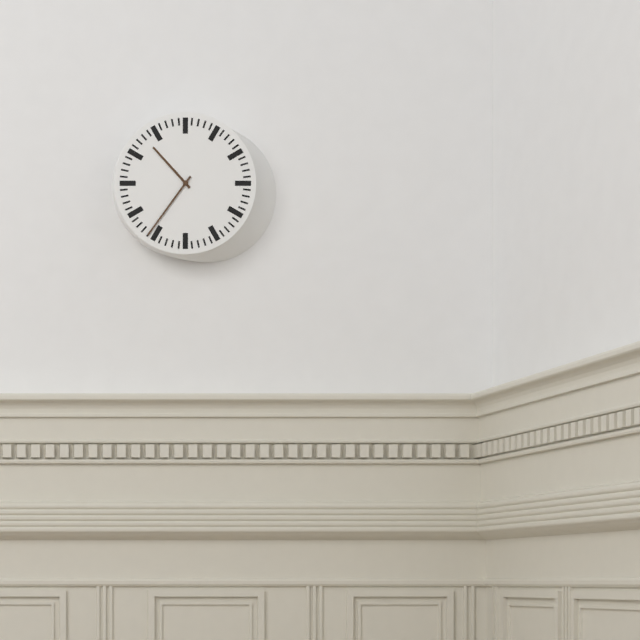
10:36
